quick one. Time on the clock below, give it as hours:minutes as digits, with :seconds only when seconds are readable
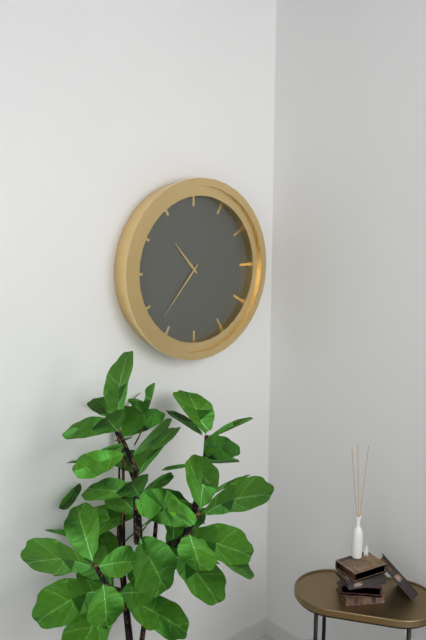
10:37
